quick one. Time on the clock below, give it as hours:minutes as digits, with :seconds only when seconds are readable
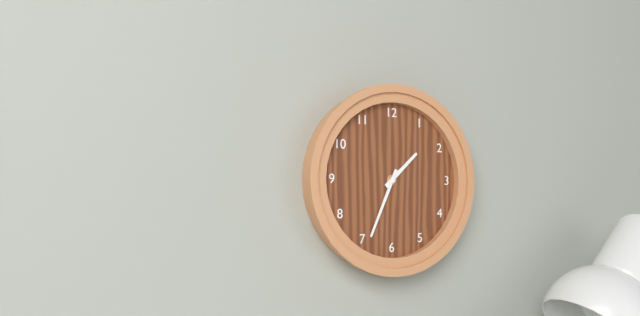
1:34
